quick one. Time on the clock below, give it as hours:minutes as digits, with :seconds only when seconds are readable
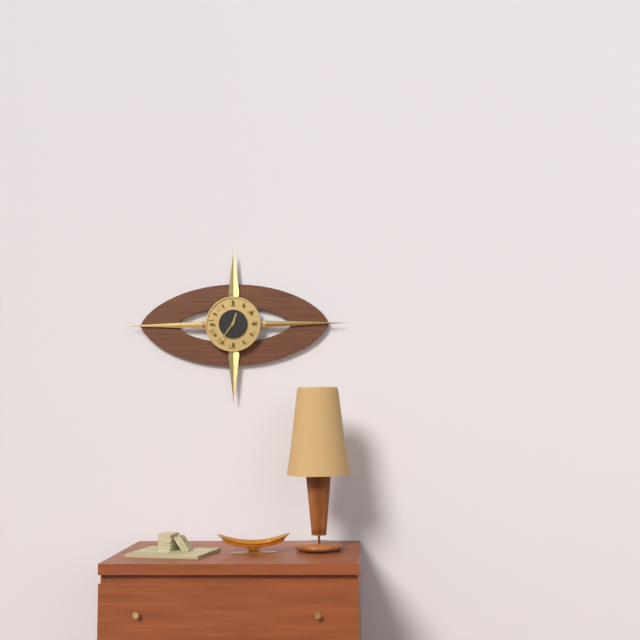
12:36
